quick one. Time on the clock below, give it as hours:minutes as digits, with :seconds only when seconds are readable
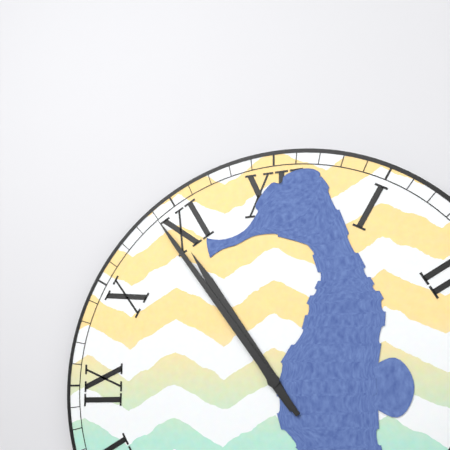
10:54
